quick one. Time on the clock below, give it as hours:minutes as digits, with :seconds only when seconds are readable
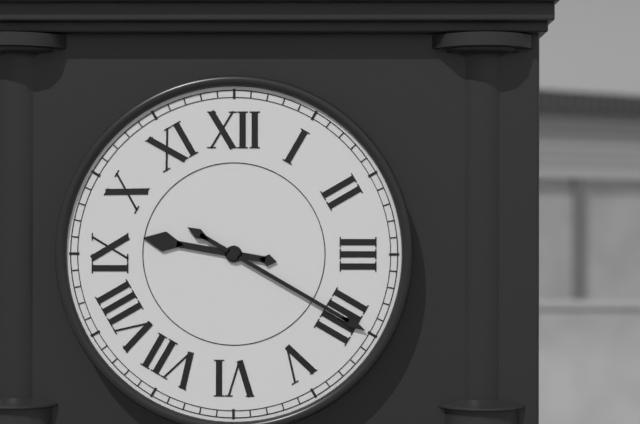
9:20
